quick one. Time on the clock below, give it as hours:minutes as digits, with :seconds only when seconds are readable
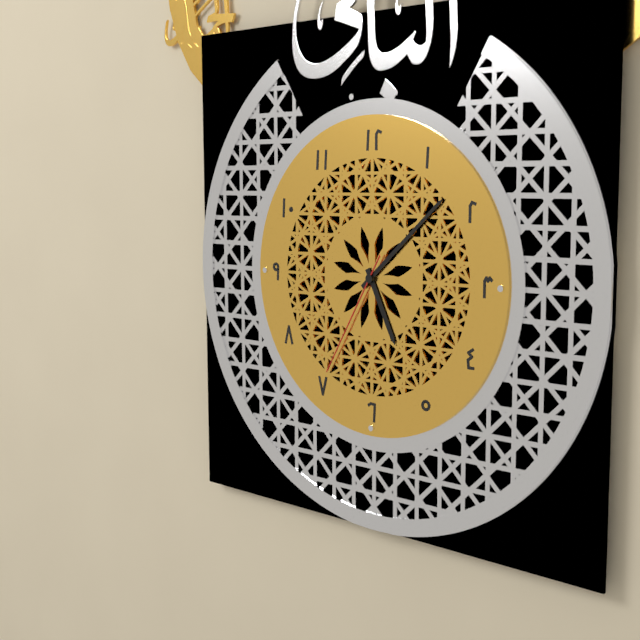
5:08:35
